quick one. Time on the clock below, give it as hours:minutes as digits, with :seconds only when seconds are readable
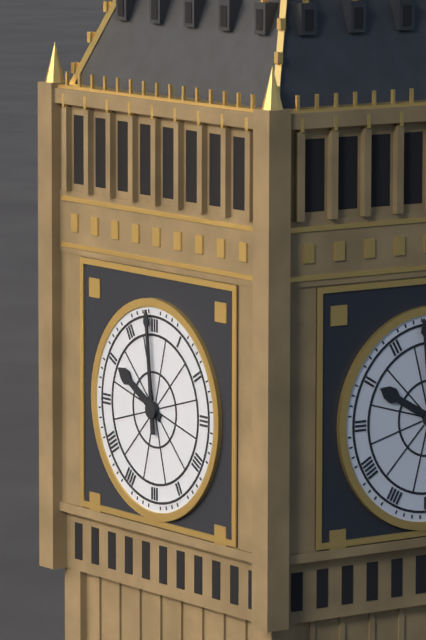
9:59
